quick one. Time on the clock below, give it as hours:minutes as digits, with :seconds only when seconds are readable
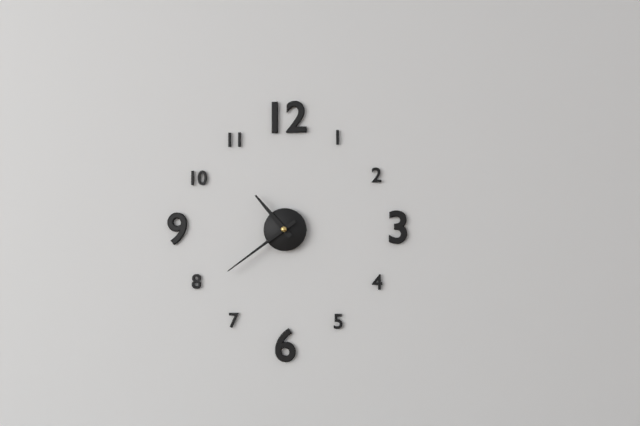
10:39
